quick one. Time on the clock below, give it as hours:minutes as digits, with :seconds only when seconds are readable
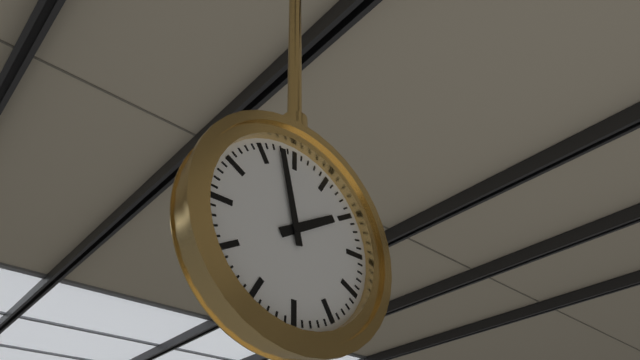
1:58
